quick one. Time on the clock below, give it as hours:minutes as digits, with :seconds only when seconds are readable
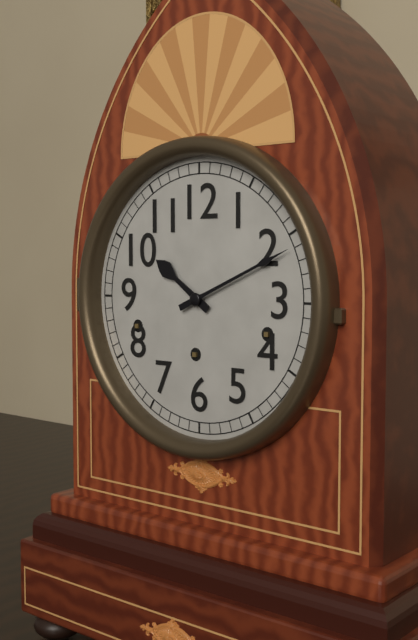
10:11
